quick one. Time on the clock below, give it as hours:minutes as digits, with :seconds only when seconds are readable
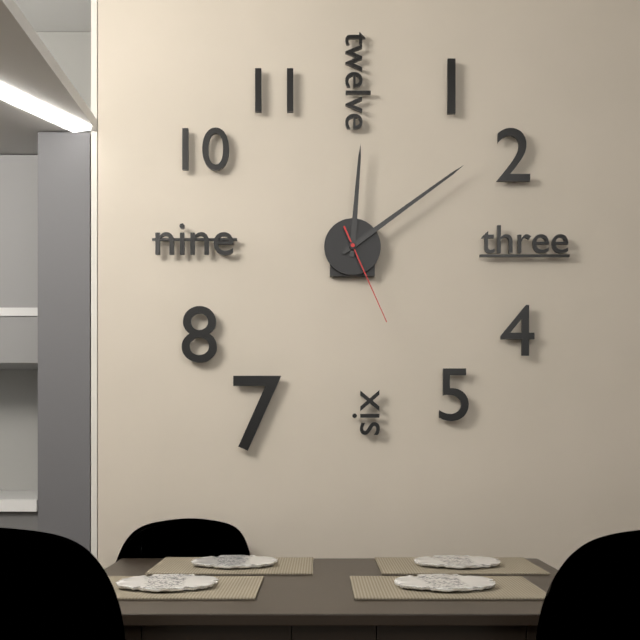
12:09:26
